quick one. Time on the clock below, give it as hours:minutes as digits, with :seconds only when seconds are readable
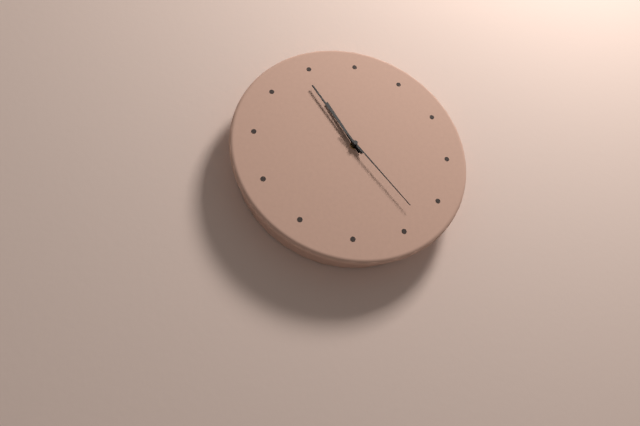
10:54:23
